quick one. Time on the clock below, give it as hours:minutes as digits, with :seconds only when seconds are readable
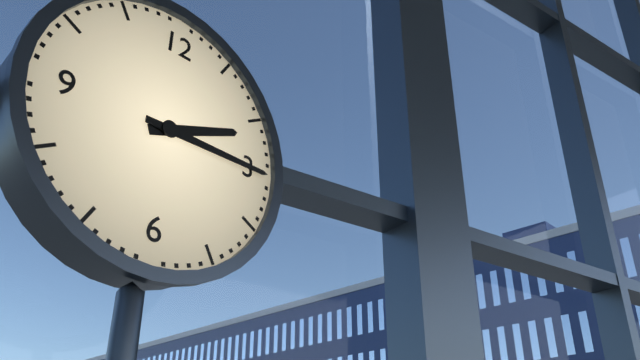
2:15
